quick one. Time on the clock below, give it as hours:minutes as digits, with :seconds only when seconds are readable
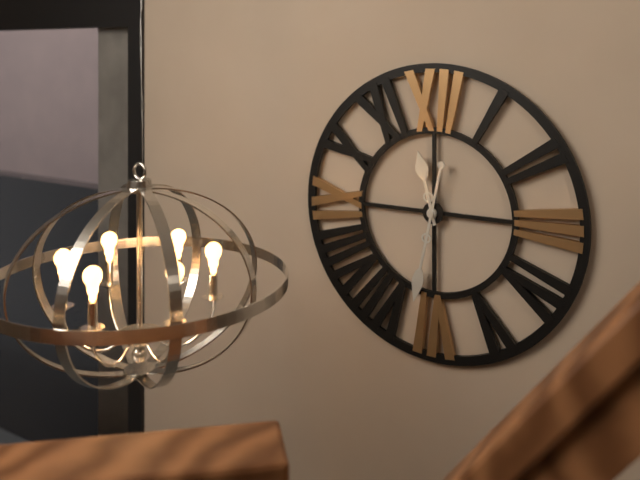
11:32
